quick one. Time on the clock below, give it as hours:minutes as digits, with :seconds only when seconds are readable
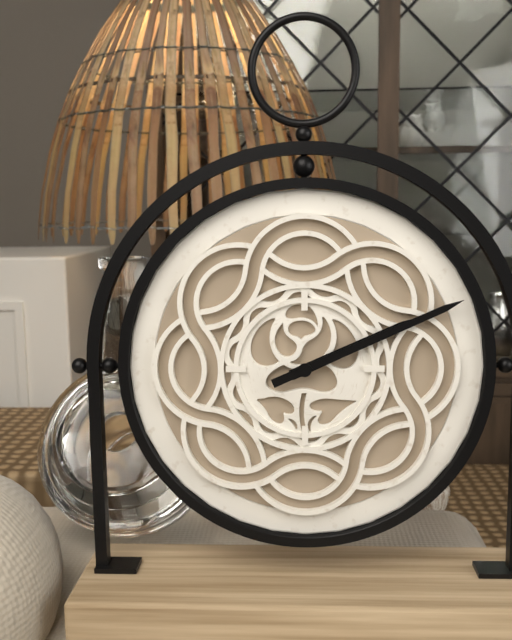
2:11
